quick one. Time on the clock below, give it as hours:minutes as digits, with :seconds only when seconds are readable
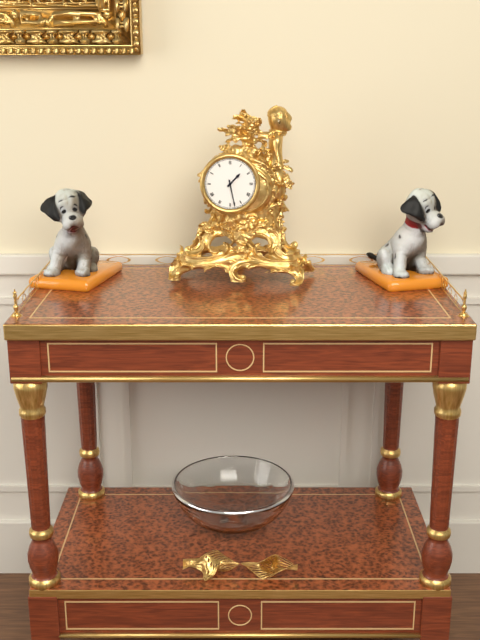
1:28
